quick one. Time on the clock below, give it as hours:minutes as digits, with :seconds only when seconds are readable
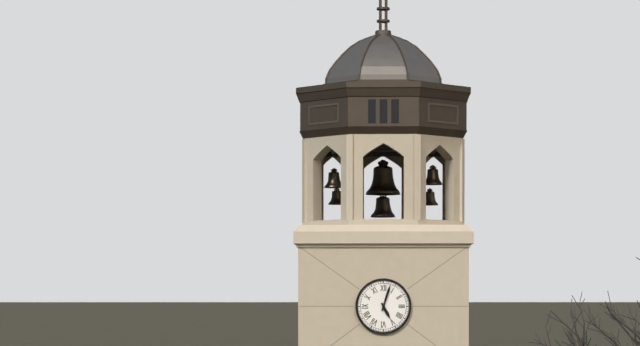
5:03
